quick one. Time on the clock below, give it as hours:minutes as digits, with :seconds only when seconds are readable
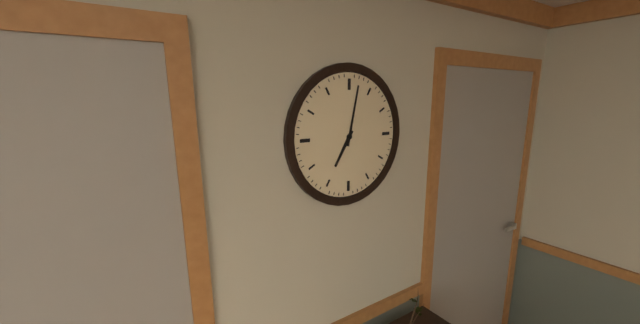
7:02
